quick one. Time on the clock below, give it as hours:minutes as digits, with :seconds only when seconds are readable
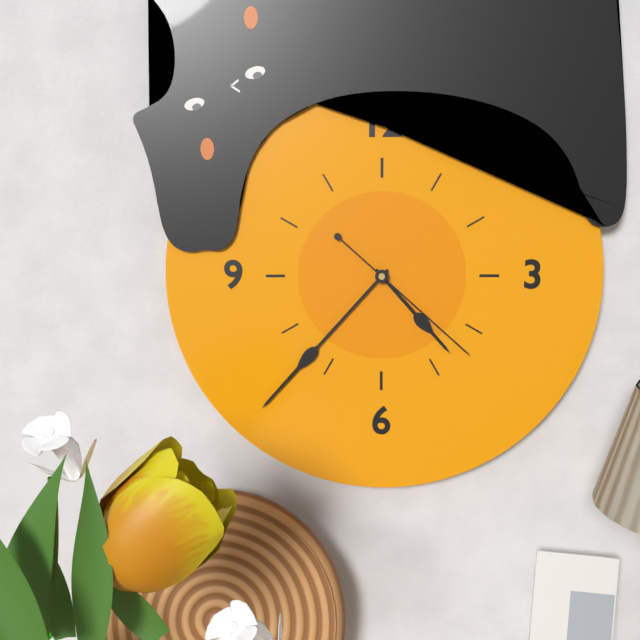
4:37:22
